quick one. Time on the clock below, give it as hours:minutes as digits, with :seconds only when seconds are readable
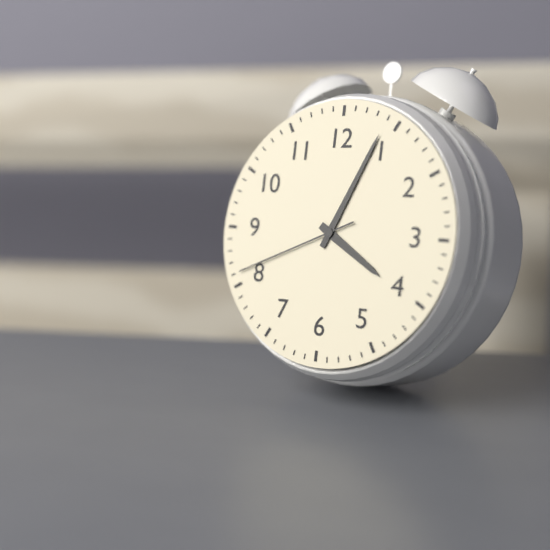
4:04:41
